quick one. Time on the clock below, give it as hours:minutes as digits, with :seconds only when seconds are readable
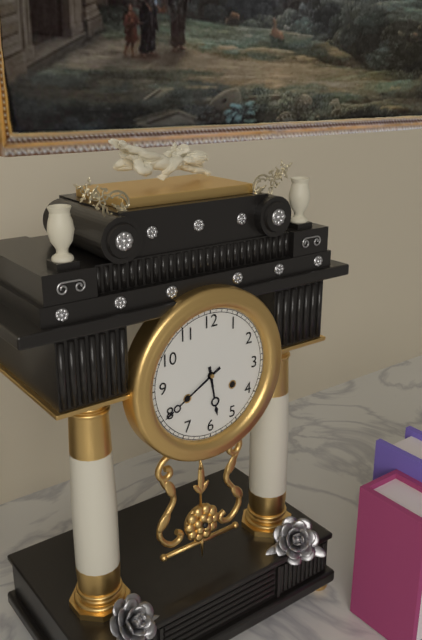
5:40
